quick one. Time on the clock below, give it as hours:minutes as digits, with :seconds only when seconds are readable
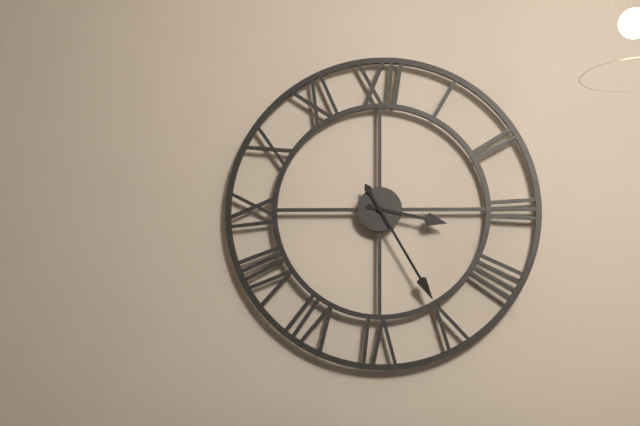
3:25
